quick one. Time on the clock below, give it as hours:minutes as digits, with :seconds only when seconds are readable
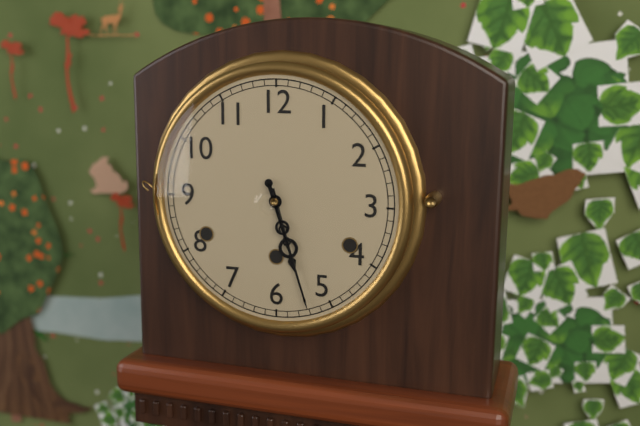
5:27
